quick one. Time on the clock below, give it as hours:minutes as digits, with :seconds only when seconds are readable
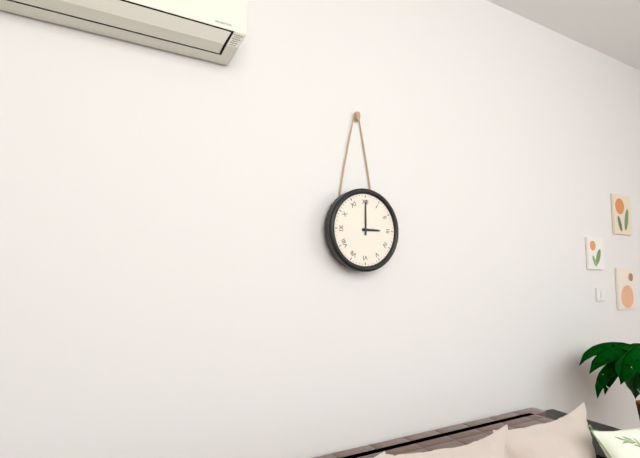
3:00
